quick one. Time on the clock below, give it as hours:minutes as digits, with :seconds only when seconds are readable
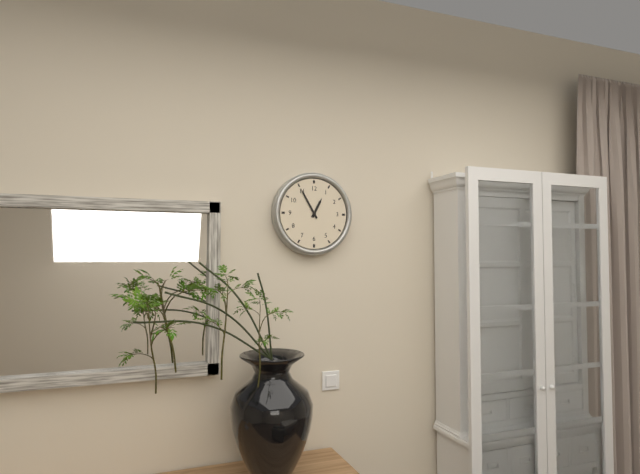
12:55
